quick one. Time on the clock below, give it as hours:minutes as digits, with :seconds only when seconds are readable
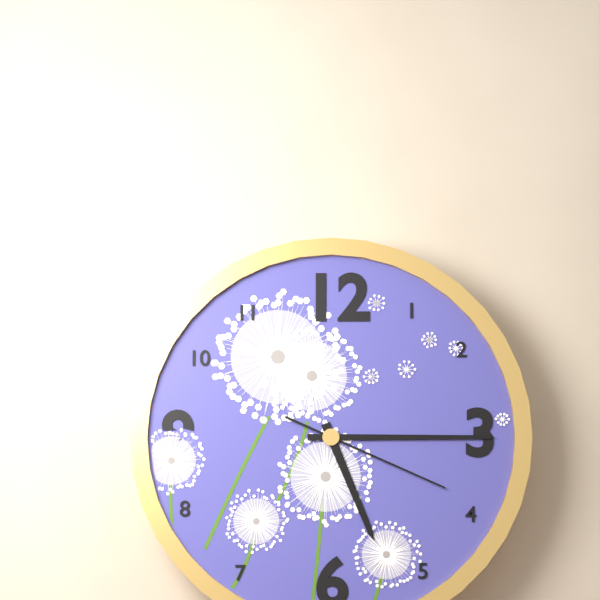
5:15:19
